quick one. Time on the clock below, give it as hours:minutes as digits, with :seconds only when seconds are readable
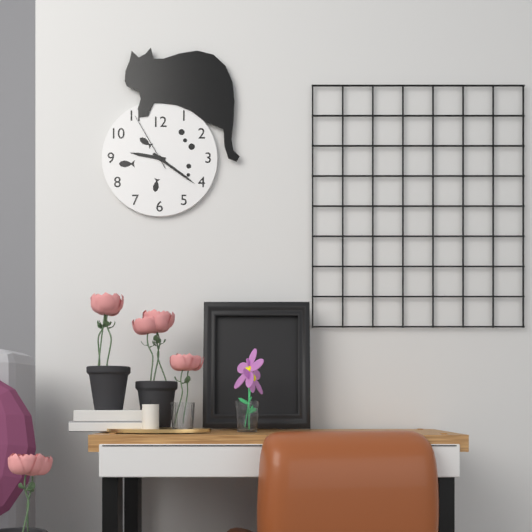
9:21:55
